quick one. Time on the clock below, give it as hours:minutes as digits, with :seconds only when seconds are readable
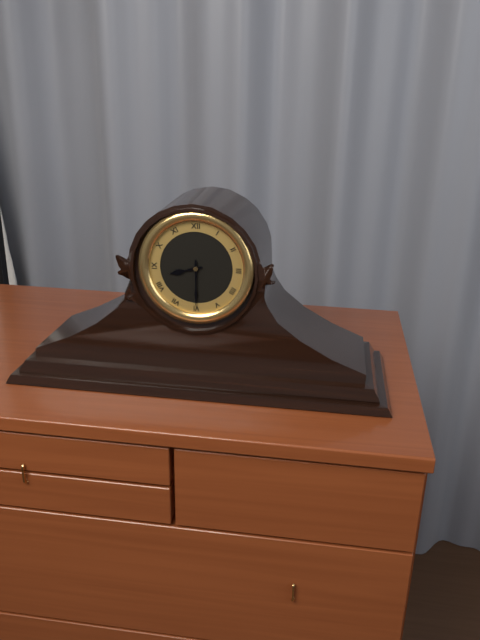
8:30
